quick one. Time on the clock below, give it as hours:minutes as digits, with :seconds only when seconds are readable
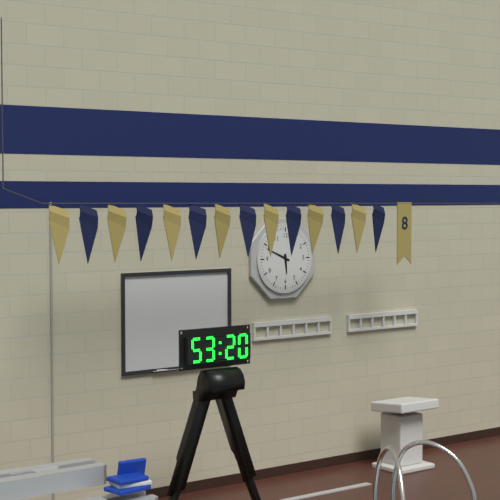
5:49
